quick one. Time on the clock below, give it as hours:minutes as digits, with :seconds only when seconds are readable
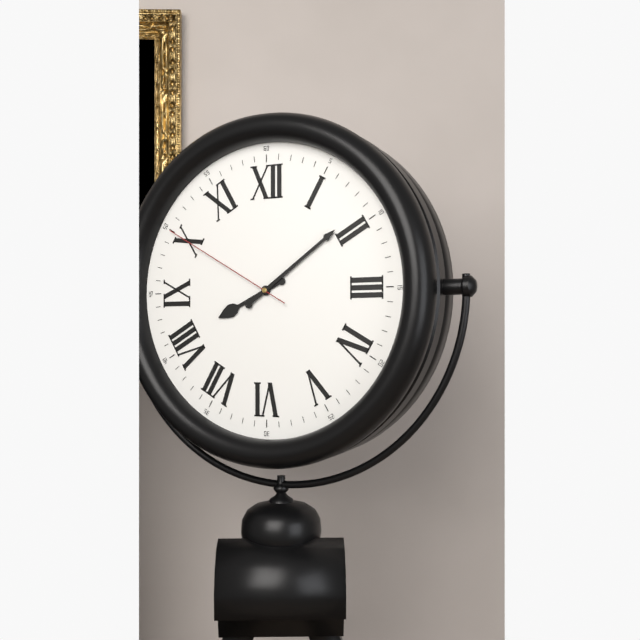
8:09:50
